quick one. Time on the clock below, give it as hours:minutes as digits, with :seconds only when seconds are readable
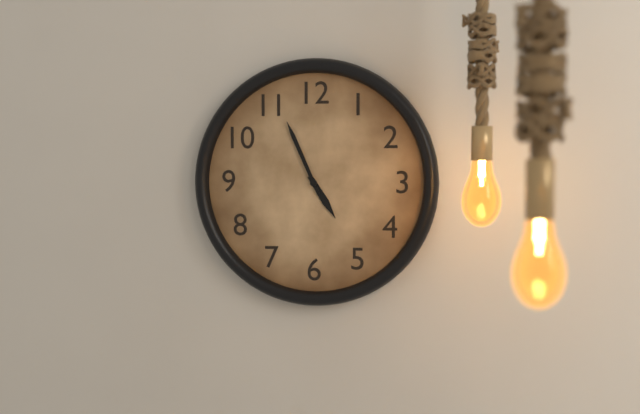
4:56
